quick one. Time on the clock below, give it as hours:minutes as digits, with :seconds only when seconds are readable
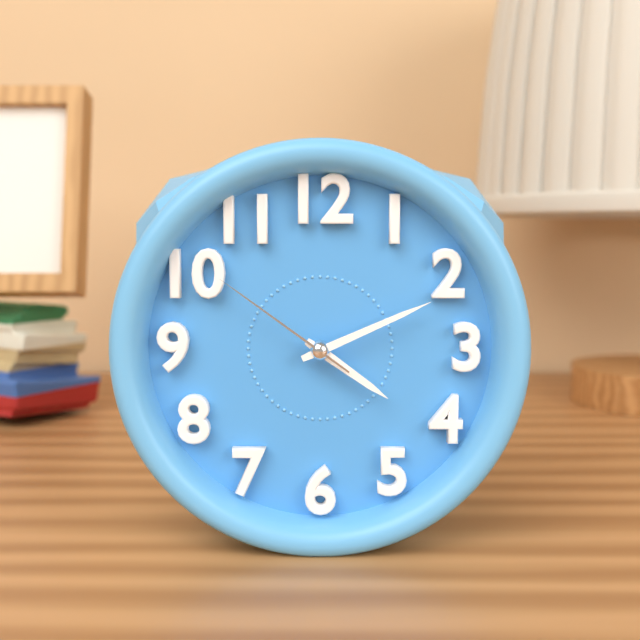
4:11:51
